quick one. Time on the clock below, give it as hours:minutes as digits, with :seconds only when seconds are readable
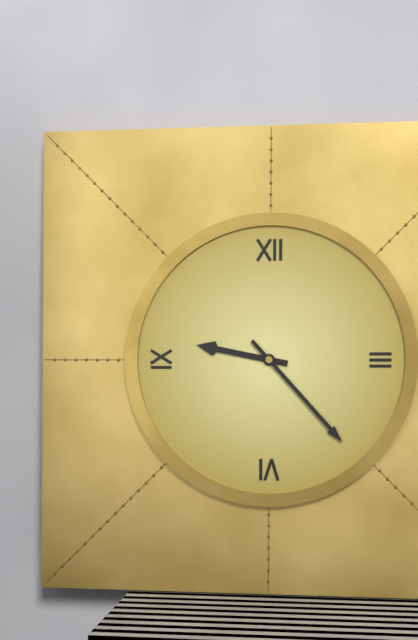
9:23
